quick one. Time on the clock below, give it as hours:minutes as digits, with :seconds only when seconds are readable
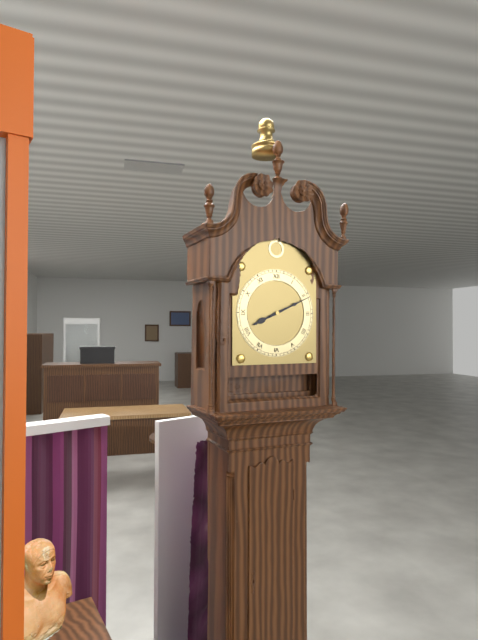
8:11
